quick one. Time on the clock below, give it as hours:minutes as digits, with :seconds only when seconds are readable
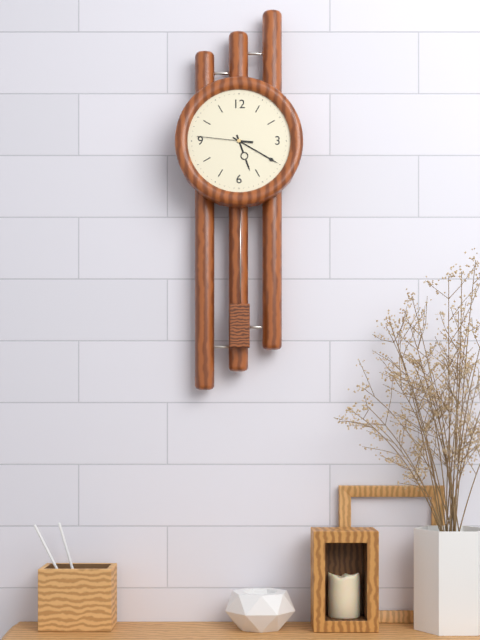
5:20:46
